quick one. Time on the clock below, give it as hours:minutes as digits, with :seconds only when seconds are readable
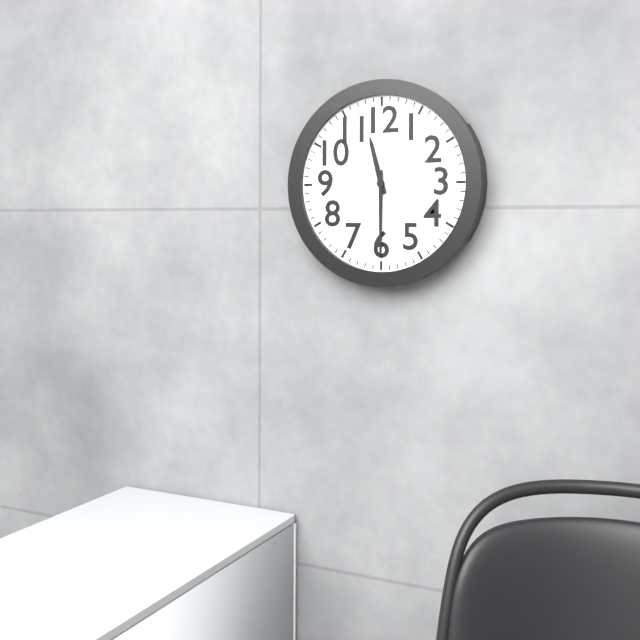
11:30
